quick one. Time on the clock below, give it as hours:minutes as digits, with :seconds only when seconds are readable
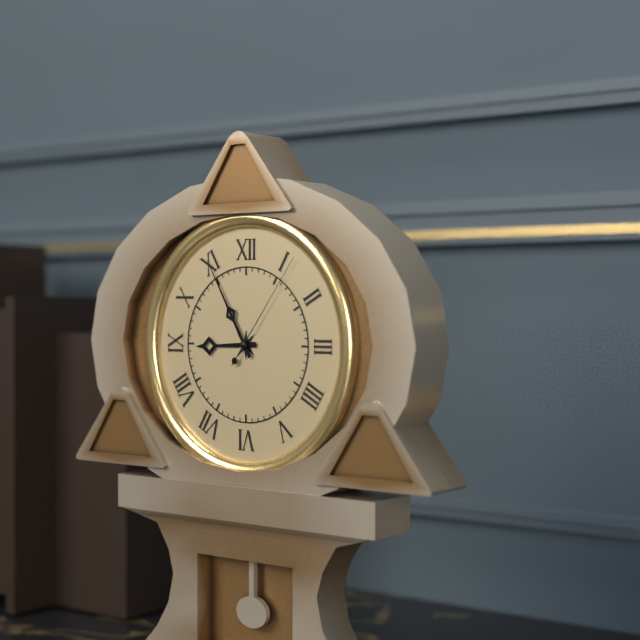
8:55:06
